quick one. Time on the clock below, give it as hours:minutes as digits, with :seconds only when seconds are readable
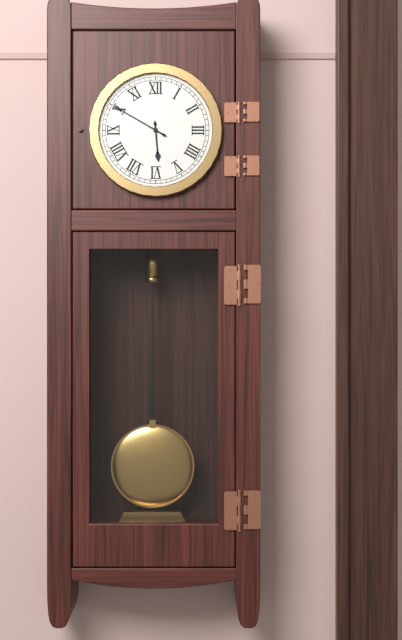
5:50
